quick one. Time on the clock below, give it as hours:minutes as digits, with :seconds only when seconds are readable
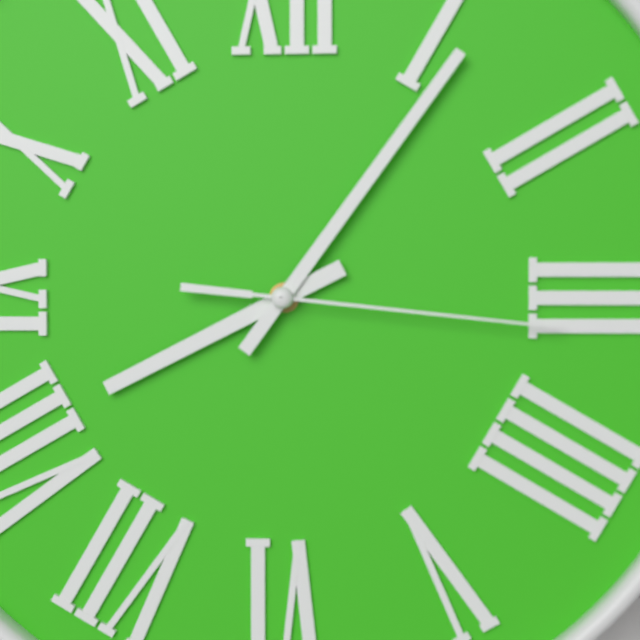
8:06:16
